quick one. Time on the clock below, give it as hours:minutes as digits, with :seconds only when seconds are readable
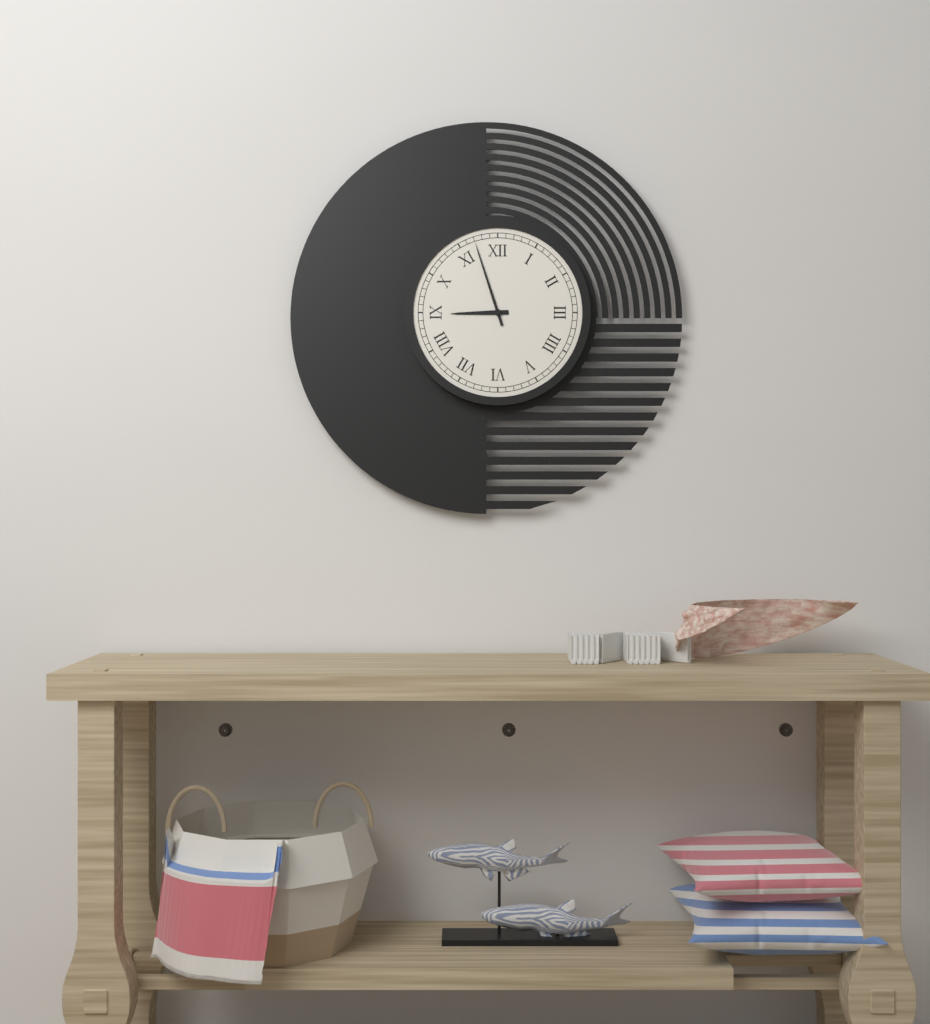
8:57
